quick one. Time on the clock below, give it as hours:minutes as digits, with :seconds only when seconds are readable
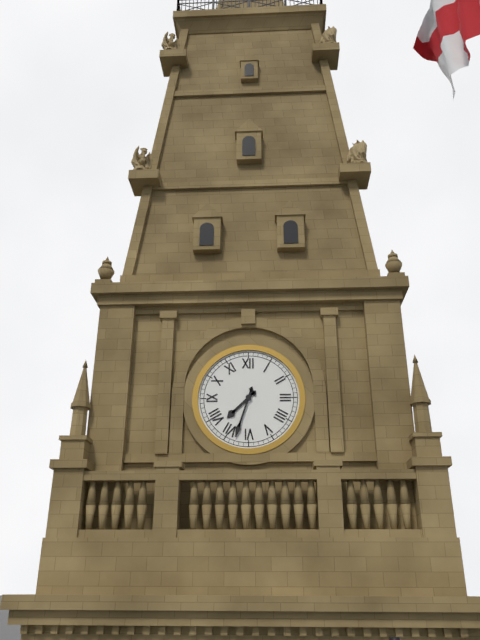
7:33
